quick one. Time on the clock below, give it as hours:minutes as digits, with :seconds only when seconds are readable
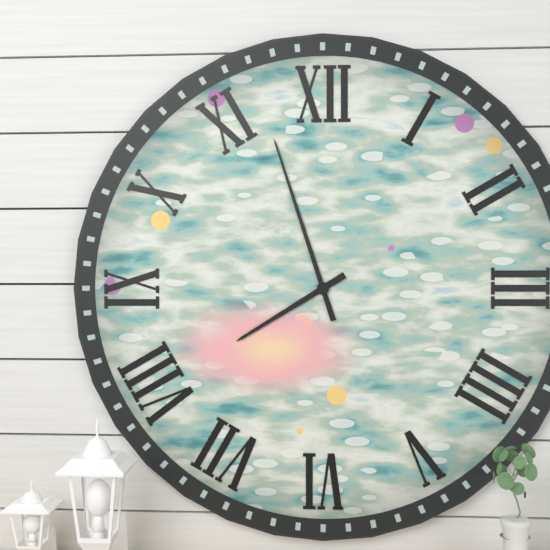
7:57
